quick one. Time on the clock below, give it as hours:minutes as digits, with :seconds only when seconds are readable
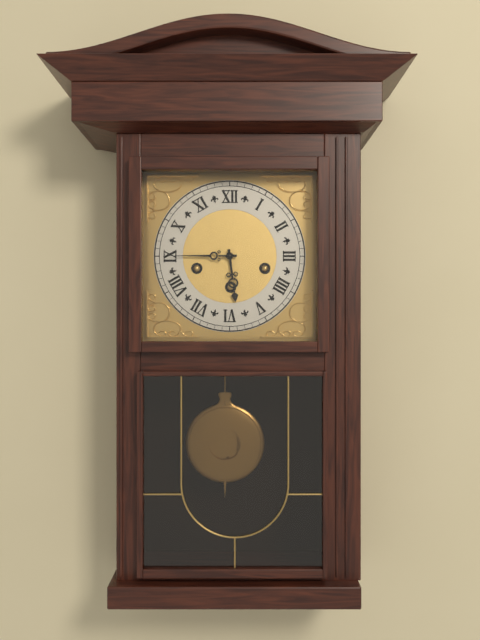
5:45
